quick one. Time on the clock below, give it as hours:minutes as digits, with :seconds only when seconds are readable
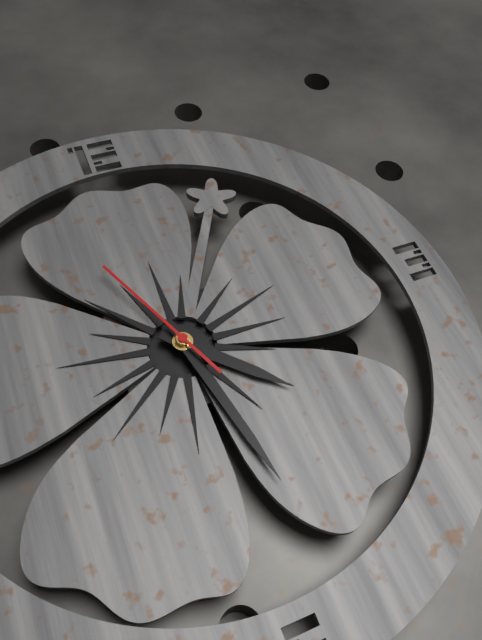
4:28:56
